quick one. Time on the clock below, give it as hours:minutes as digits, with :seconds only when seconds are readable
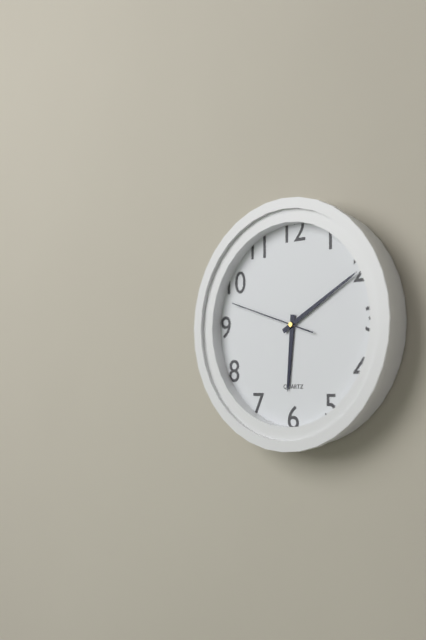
6:10:48
